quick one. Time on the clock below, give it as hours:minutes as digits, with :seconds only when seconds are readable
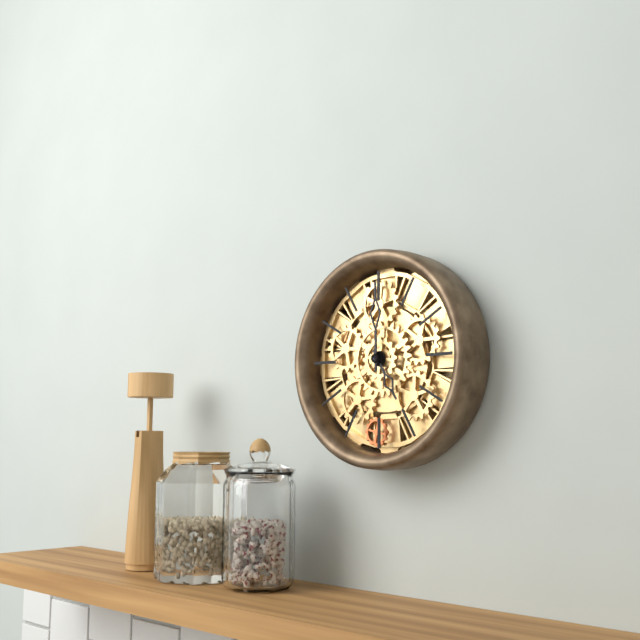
5:00
